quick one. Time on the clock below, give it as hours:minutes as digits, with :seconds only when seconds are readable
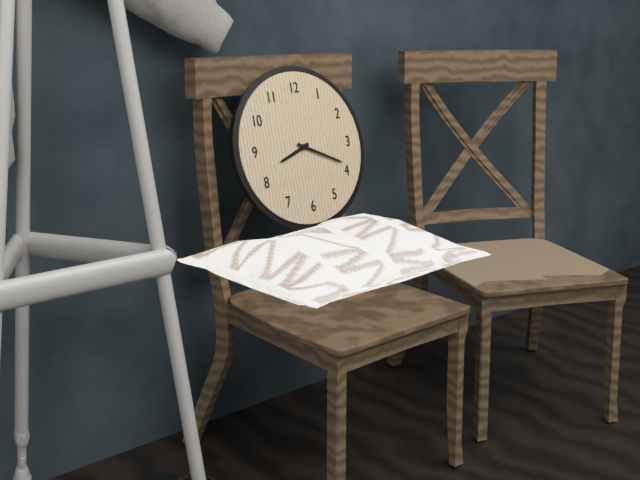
8:19
